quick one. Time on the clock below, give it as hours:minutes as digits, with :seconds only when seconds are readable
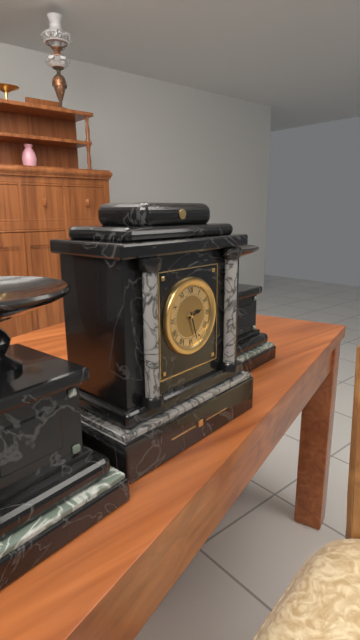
2:27
